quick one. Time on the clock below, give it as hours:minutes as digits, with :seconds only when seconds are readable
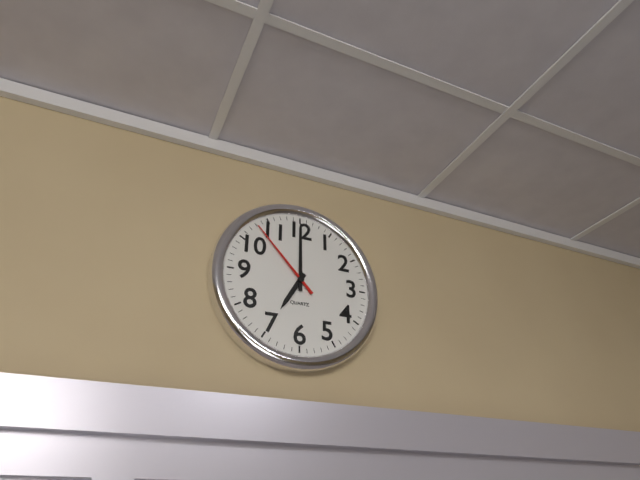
7:00:53
